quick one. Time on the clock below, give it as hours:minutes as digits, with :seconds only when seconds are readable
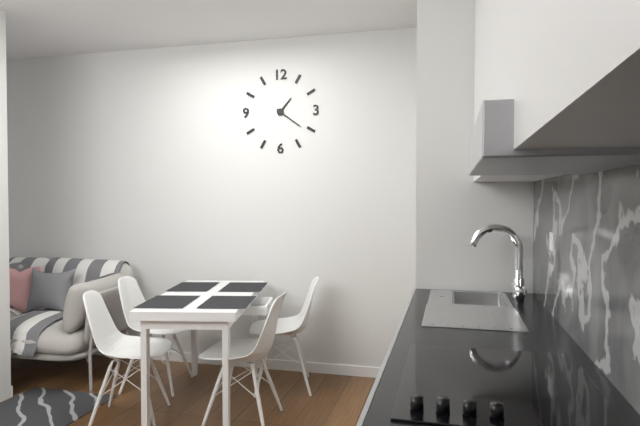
1:21
